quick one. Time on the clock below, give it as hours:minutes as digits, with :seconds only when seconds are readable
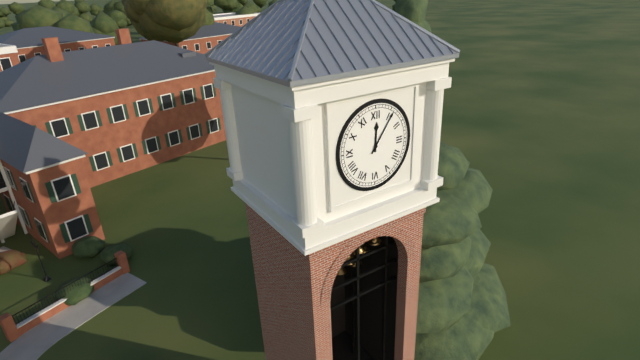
12:06
